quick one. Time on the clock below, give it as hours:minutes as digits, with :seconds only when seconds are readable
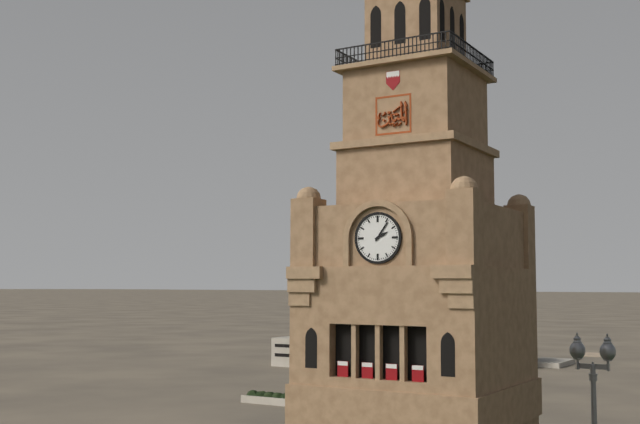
2:06
